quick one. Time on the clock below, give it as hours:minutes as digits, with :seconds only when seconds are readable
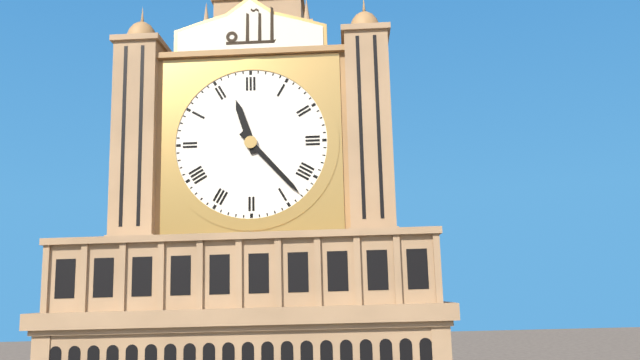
11:23
